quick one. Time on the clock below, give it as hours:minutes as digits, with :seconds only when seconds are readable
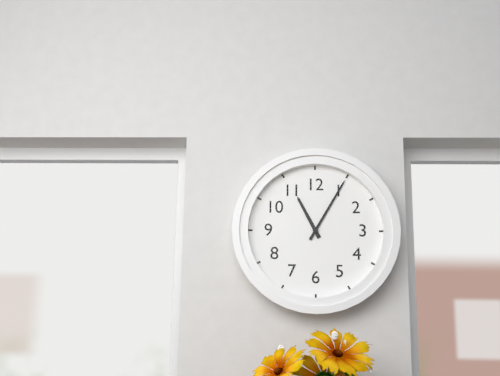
11:05
